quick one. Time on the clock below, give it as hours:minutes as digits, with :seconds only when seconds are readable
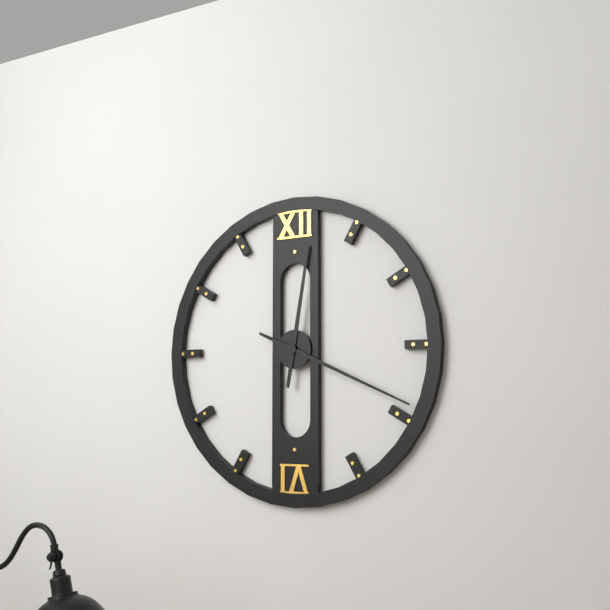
12:19
